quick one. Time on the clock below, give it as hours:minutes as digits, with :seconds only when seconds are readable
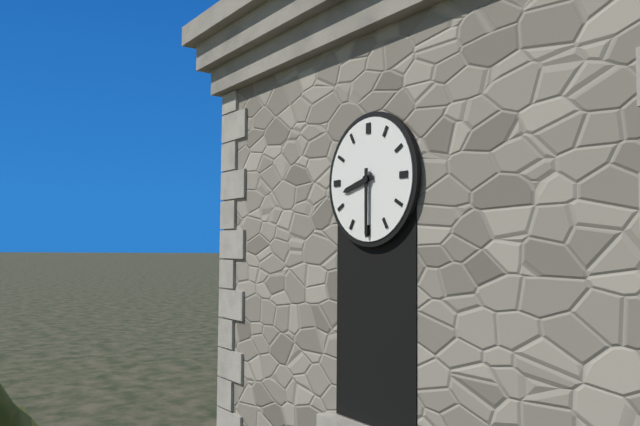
8:30
